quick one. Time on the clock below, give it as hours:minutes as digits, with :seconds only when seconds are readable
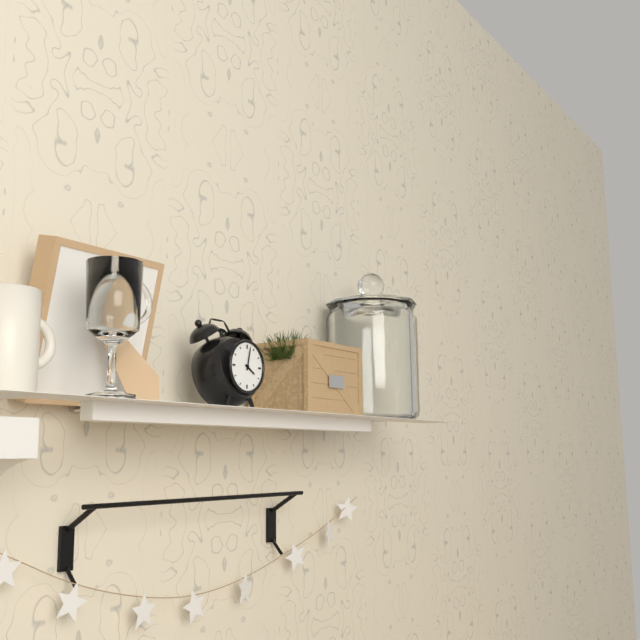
4:02
